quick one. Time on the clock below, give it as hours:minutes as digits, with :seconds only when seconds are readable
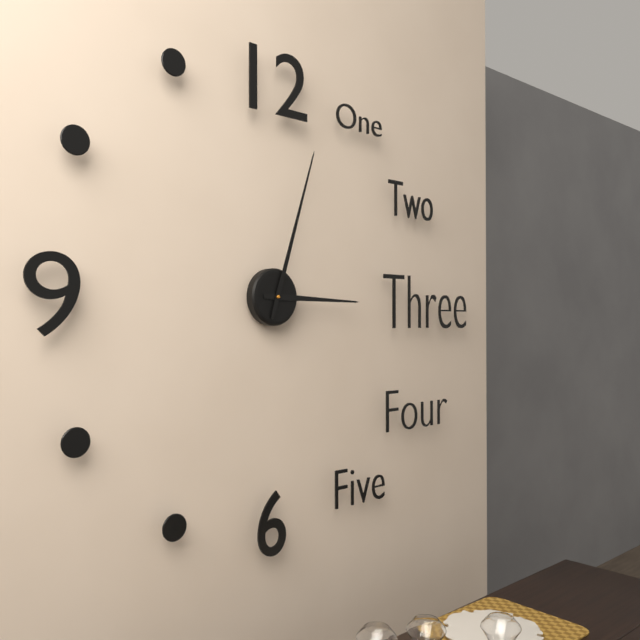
3:03
